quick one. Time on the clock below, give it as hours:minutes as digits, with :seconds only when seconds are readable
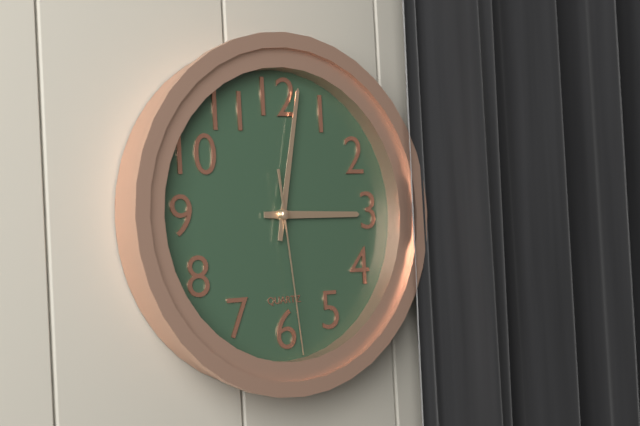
3:02:29
